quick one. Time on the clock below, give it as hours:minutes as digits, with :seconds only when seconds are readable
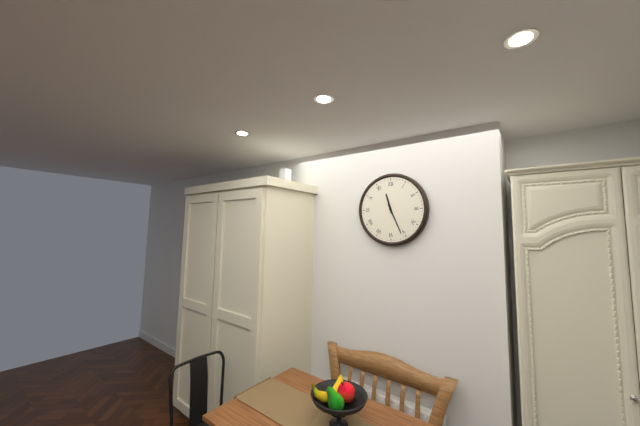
11:26
